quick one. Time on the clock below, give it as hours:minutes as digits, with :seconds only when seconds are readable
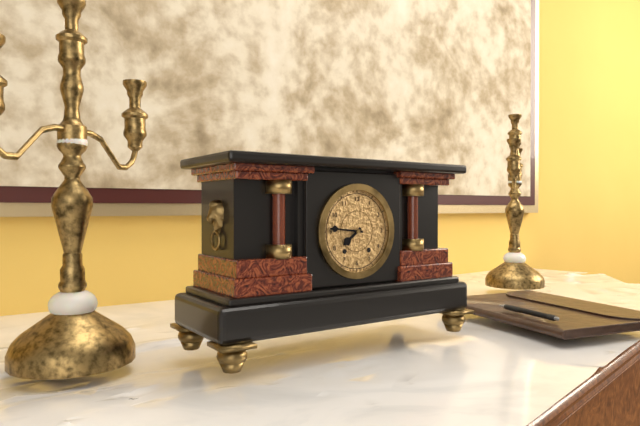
7:46
